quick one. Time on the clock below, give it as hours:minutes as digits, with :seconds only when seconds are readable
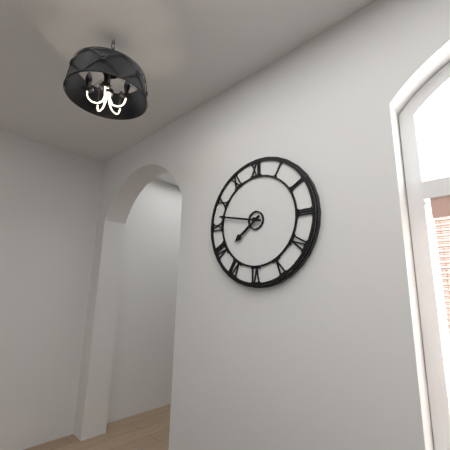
7:47
